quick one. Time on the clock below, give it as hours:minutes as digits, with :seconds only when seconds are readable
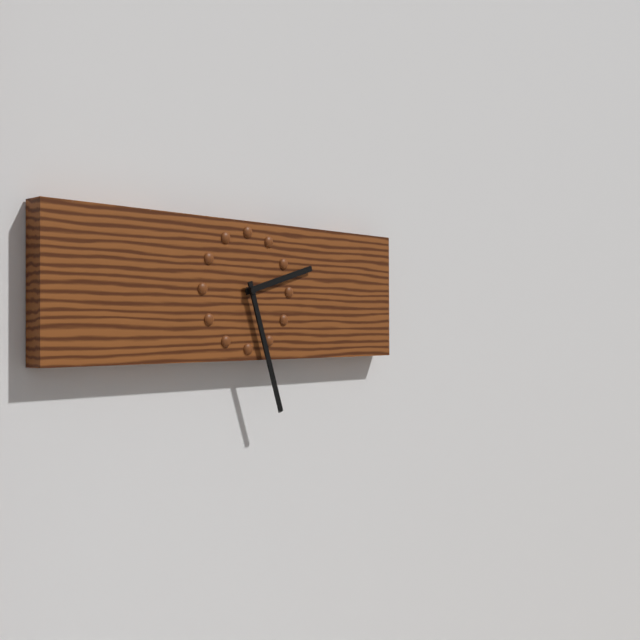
2:27
